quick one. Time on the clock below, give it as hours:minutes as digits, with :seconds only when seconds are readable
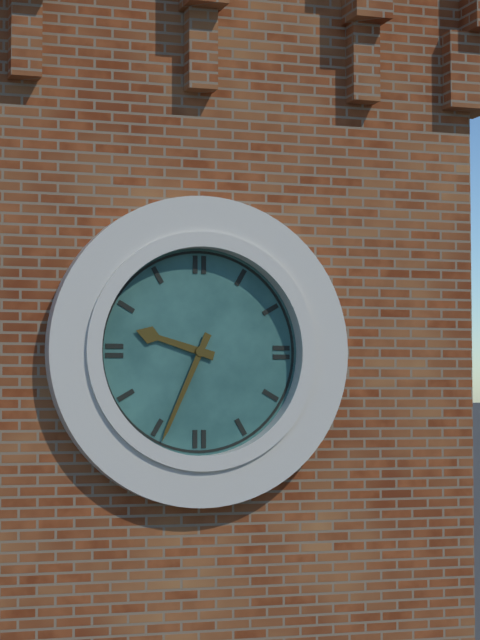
9:34
